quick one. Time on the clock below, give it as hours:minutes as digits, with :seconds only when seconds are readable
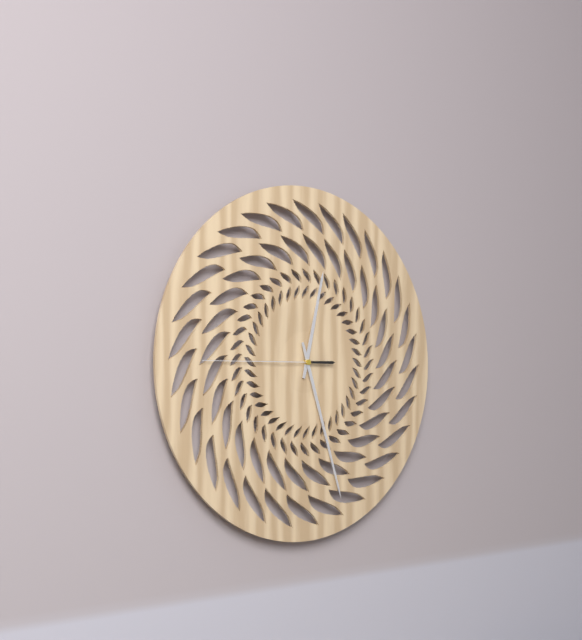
12:27:45
